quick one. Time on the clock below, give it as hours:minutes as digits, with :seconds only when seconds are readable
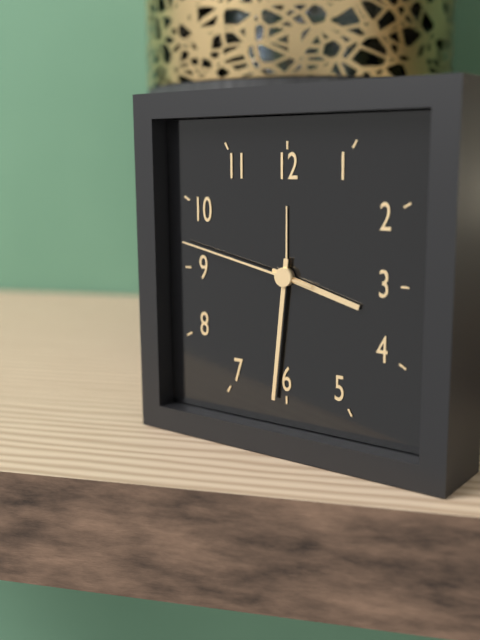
3:31:47
